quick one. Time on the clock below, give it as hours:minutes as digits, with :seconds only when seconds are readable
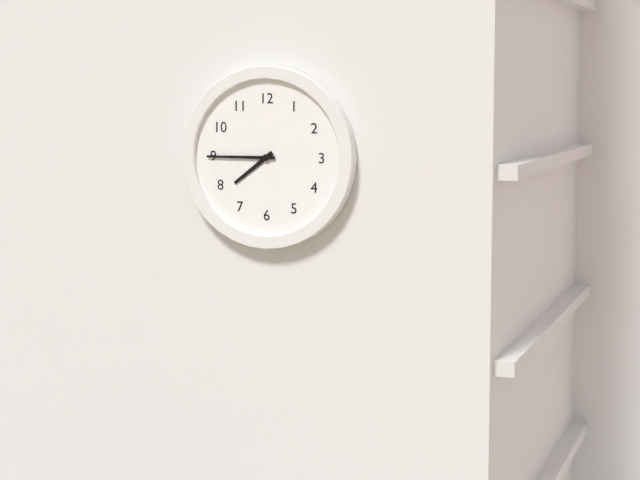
7:45
